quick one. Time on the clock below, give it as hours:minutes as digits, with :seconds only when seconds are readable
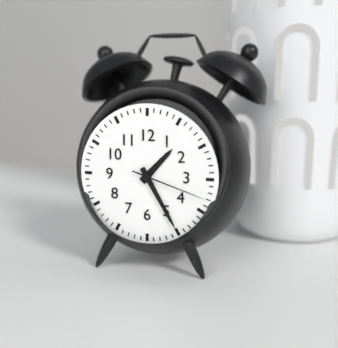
1:25:18
